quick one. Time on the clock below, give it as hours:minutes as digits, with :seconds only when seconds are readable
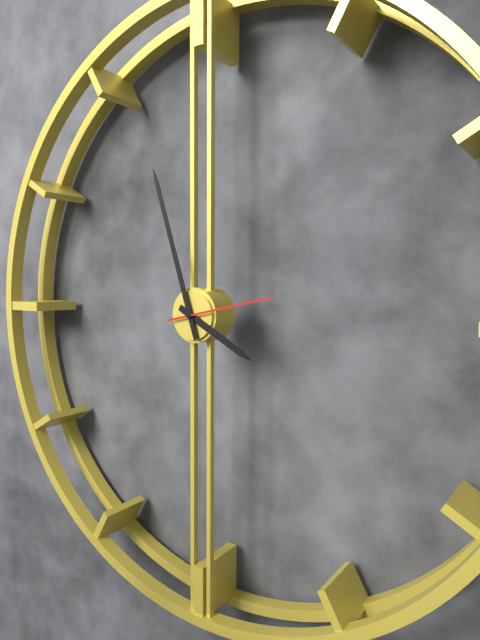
3:57:13
